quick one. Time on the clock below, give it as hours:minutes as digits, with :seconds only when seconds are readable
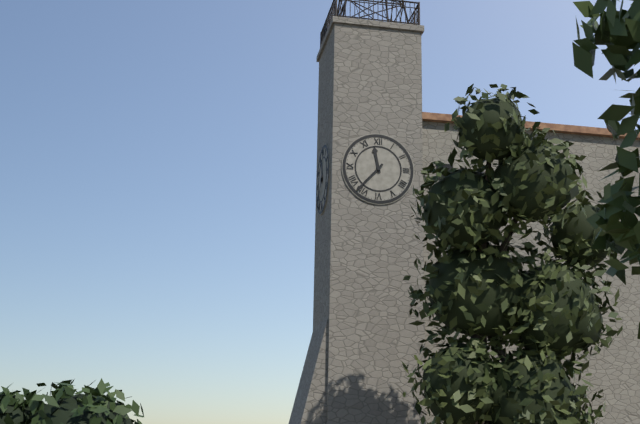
11:37
